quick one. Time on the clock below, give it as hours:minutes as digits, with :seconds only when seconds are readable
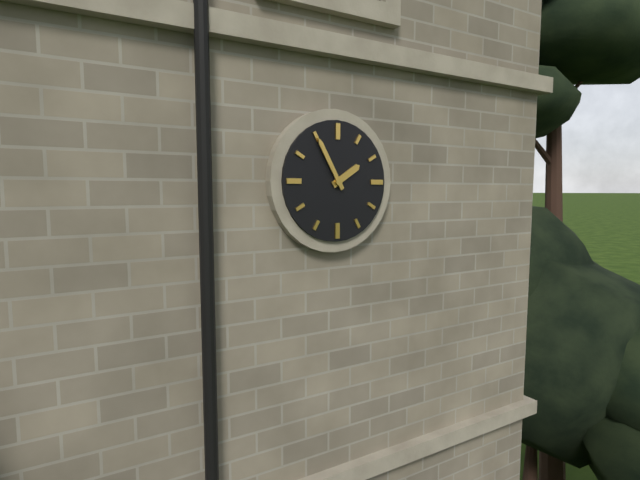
1:55
